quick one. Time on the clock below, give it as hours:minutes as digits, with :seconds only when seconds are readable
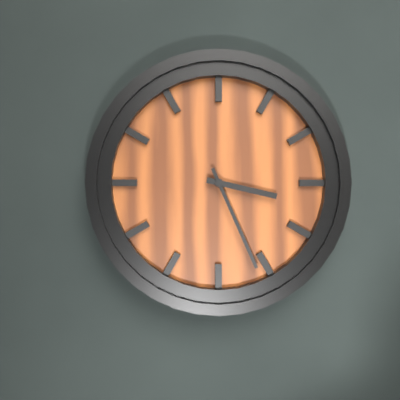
3:26
